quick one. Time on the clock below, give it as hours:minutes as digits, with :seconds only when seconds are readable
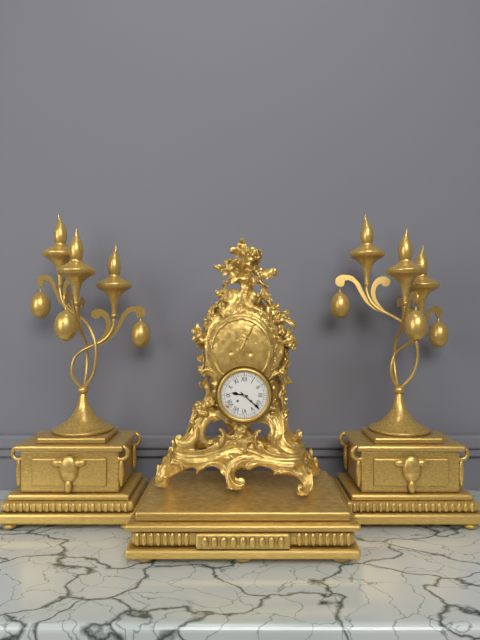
9:22
